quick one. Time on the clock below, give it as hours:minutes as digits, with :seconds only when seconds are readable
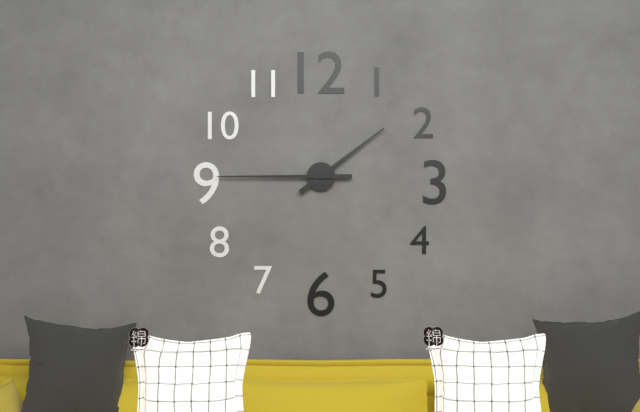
1:45
